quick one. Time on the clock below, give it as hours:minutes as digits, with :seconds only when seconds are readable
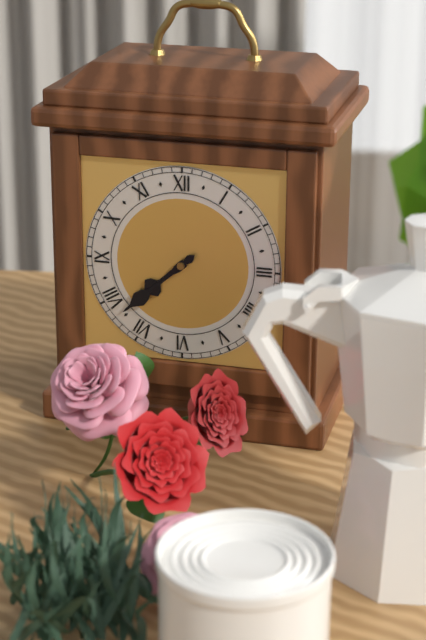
7:38
